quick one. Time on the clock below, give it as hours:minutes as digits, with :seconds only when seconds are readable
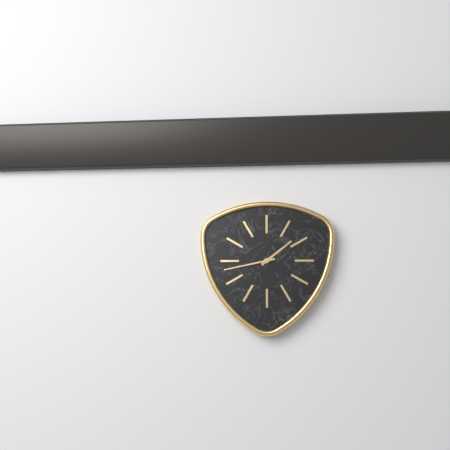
1:43
